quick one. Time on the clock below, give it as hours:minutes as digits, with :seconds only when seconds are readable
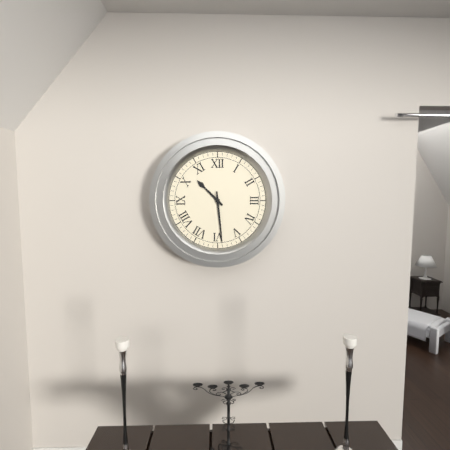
10:29
